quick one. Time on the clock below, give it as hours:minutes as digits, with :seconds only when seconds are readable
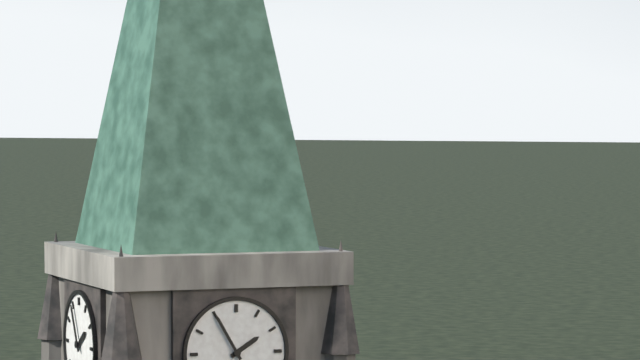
1:55
